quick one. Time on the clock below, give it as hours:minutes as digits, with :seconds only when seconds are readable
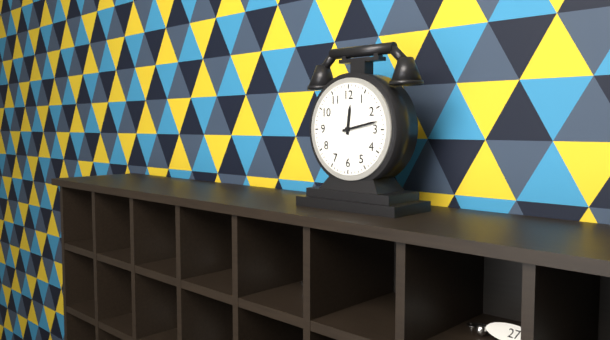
12:13
